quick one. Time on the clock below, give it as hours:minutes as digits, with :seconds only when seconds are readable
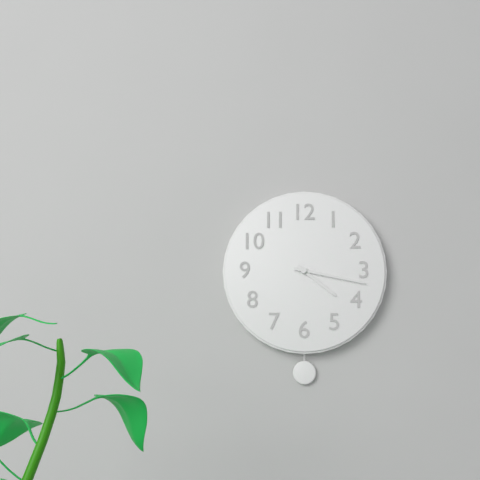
4:17
